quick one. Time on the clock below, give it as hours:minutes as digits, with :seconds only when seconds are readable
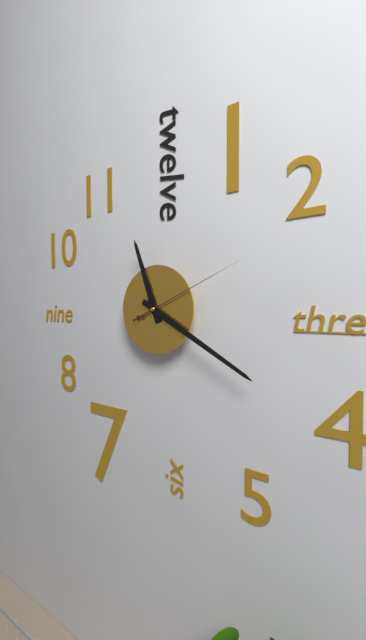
11:20:11
